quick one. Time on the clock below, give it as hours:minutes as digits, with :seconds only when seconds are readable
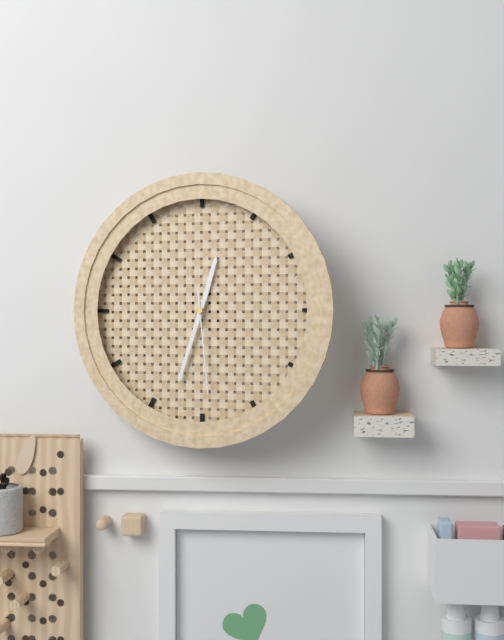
12:33:29
